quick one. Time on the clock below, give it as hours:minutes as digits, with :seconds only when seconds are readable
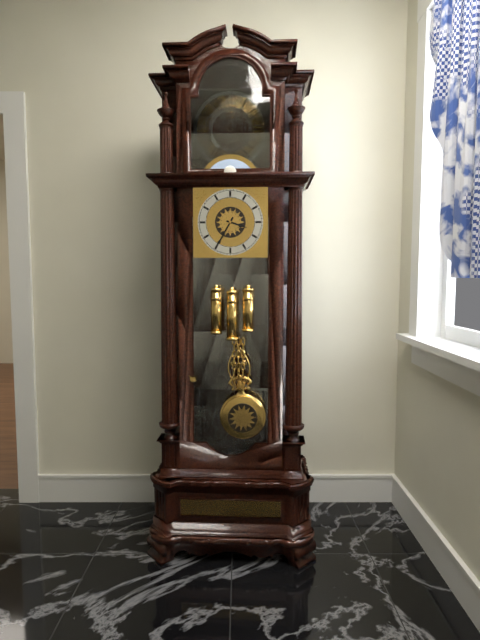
3:35
